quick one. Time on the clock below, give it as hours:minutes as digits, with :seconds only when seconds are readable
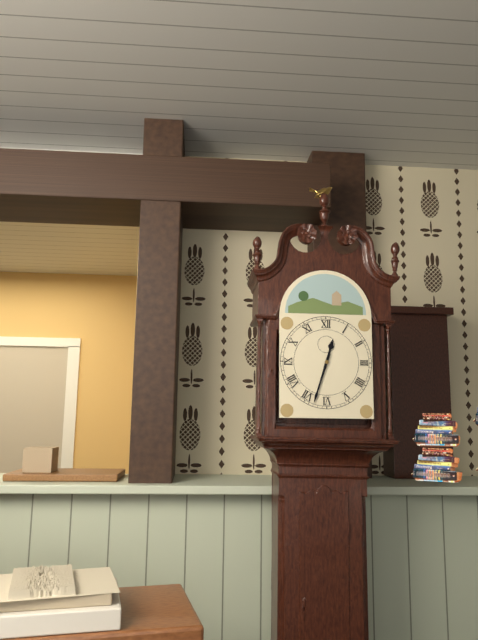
12:33
